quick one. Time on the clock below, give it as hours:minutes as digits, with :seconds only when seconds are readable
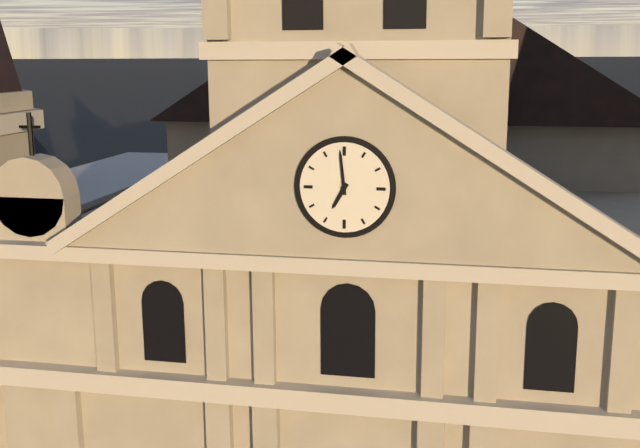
6:59
